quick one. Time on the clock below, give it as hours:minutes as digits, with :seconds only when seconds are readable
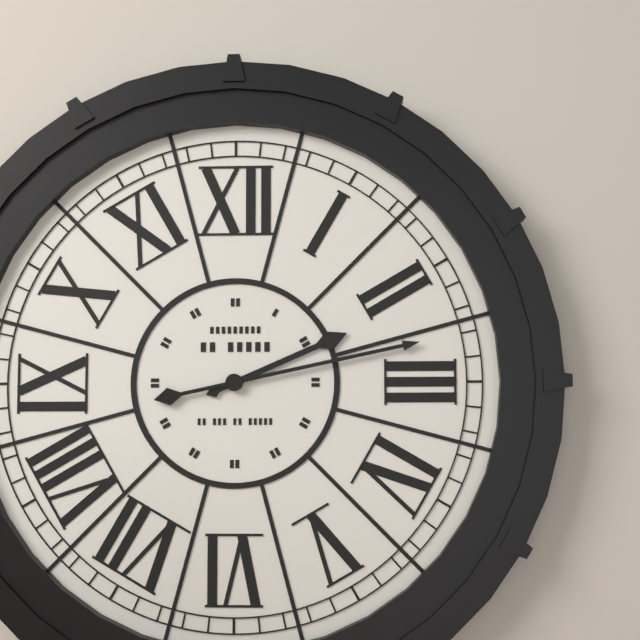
2:13
